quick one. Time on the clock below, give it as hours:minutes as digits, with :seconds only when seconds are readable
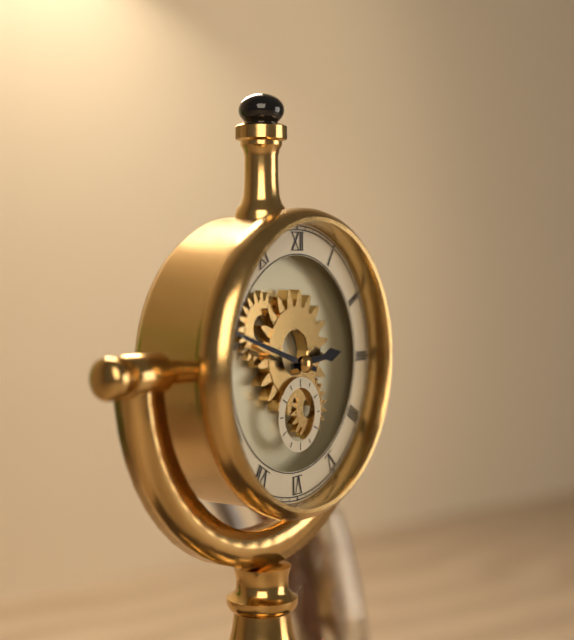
2:48
